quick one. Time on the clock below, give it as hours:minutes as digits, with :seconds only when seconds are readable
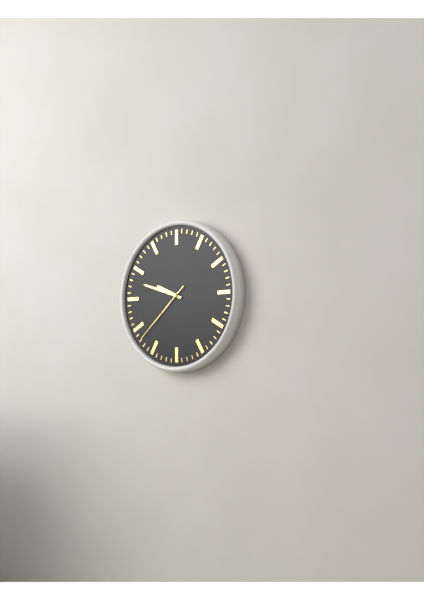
9:48:38
